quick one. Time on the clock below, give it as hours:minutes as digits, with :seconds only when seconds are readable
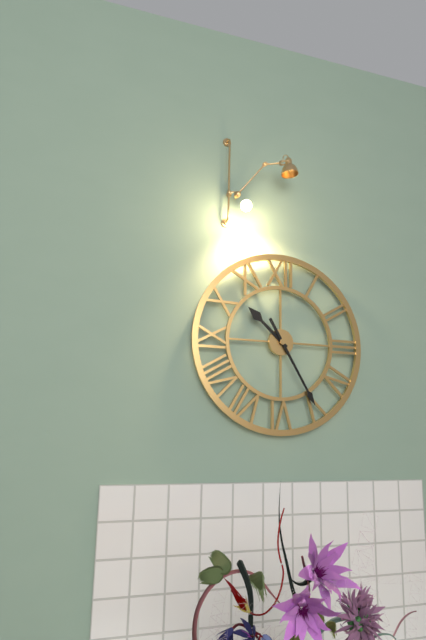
10:25
